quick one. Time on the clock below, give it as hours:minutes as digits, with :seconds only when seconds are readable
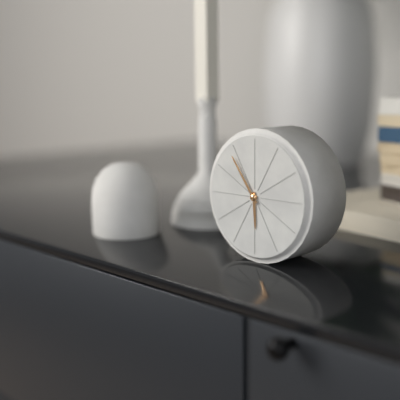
5:54
